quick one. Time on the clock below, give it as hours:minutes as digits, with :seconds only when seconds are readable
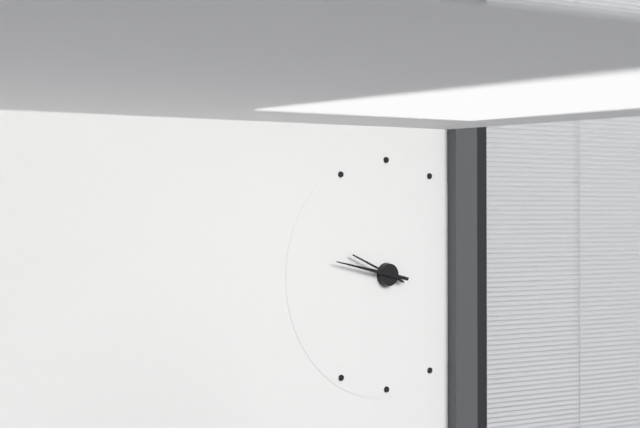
9:47
